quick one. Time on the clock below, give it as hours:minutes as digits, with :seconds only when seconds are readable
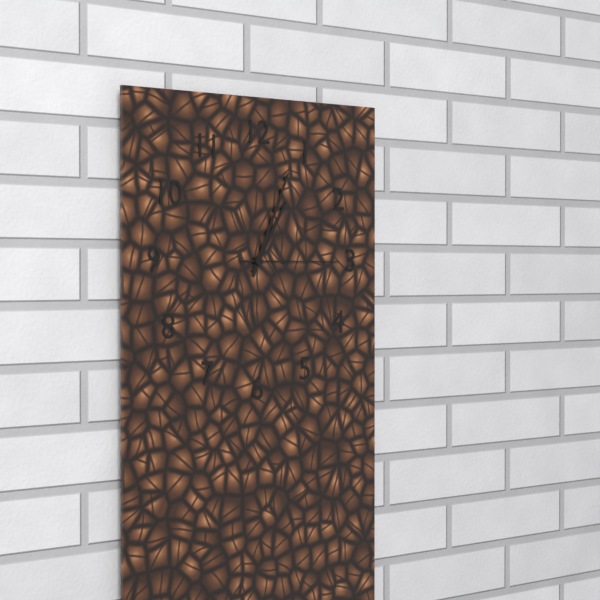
1:04:15
